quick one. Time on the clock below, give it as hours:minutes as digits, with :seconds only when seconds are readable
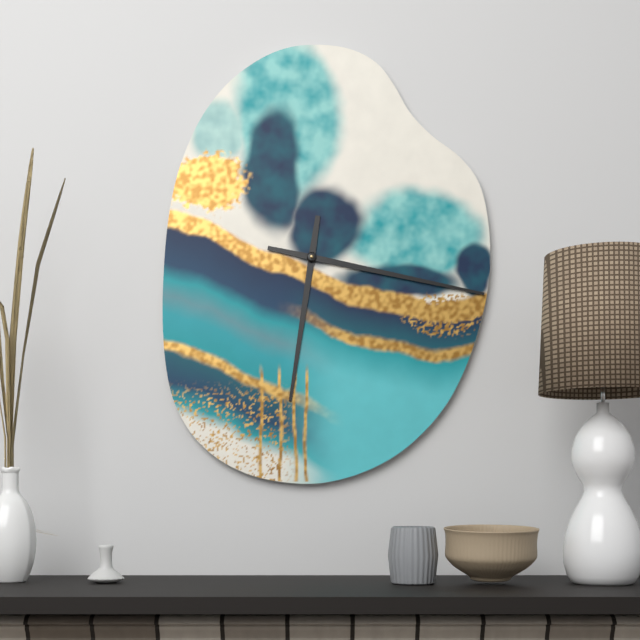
6:17
